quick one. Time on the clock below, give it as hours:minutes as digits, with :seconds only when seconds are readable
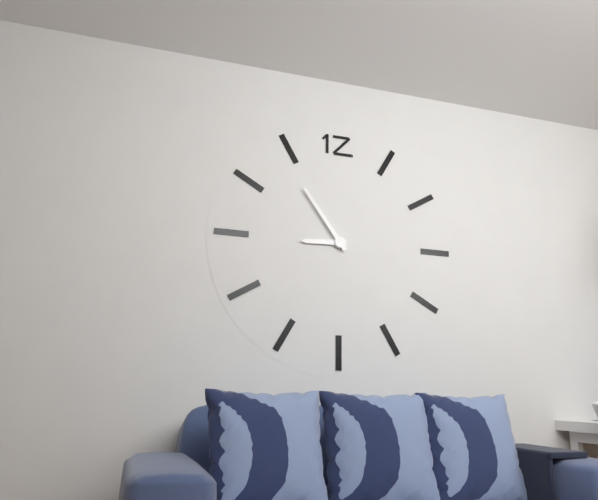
8:54
